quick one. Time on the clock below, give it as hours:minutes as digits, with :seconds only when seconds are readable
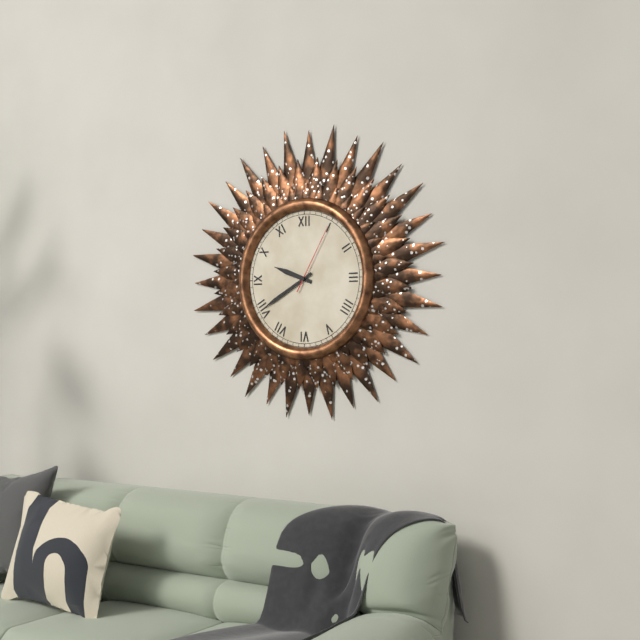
9:40:05
